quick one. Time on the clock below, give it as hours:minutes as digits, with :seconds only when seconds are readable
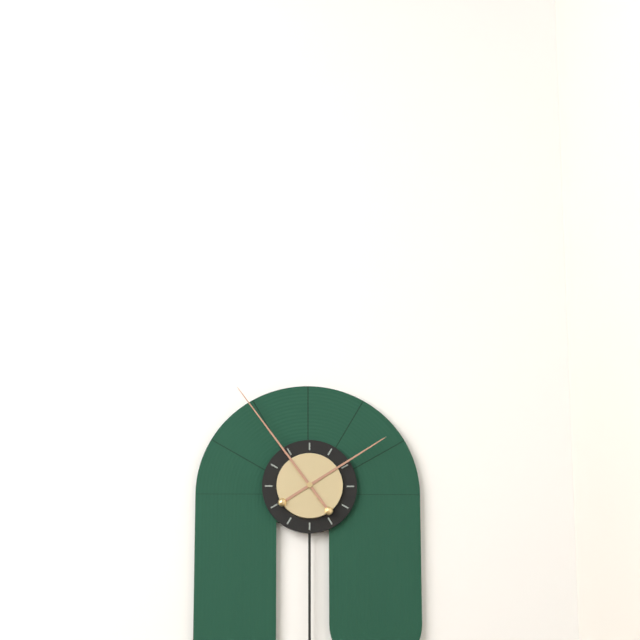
1:54
